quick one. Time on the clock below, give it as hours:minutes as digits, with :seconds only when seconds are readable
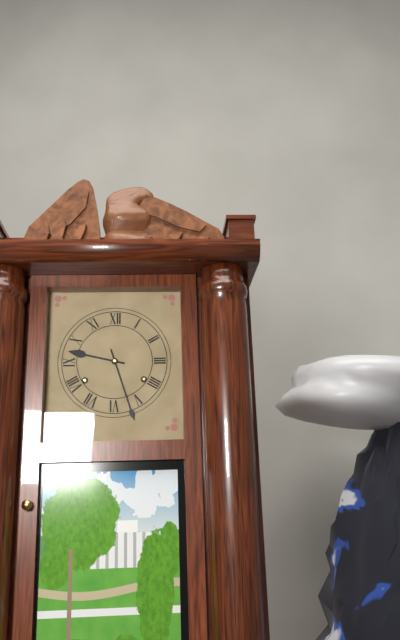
9:27
